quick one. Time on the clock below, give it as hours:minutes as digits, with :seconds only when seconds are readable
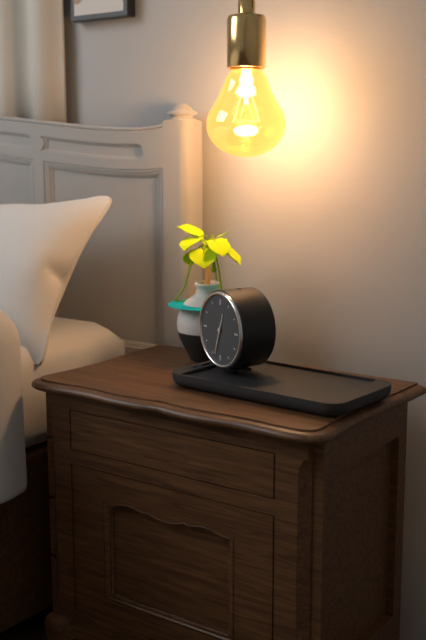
12:33
